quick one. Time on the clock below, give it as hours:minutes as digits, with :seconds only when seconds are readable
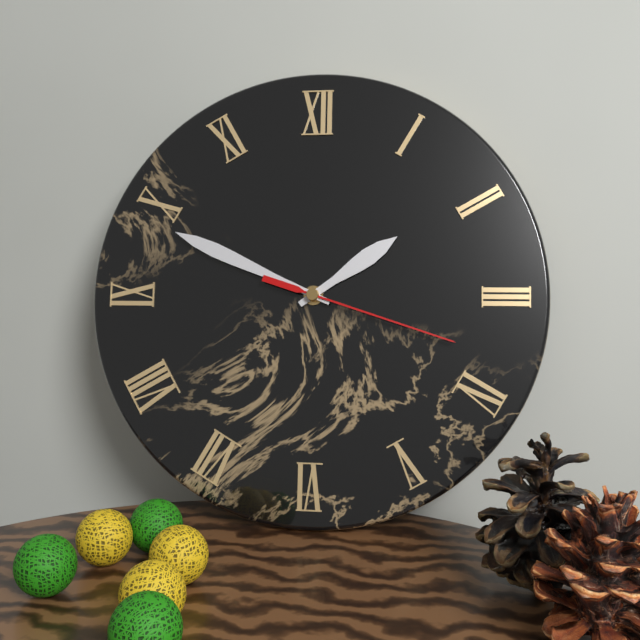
1:49:18
